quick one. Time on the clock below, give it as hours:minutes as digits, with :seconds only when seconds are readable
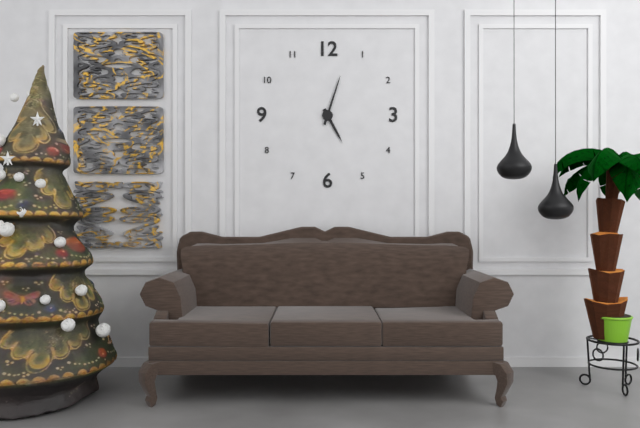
5:03
